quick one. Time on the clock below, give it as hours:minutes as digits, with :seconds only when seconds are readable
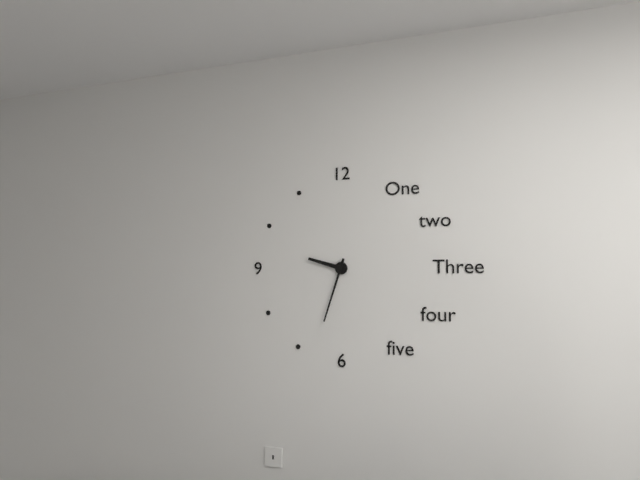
9:33
